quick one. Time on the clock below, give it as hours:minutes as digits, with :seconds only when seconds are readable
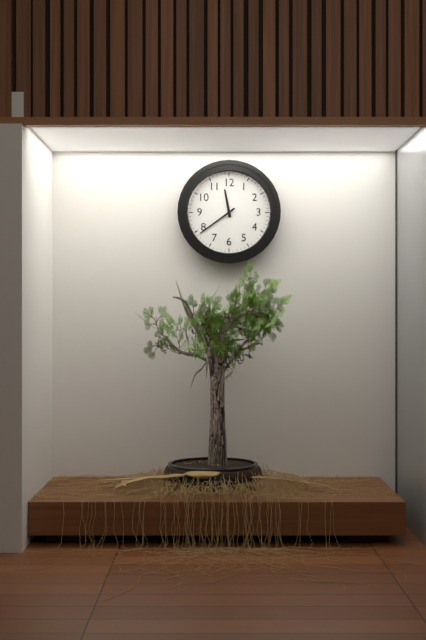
11:39
